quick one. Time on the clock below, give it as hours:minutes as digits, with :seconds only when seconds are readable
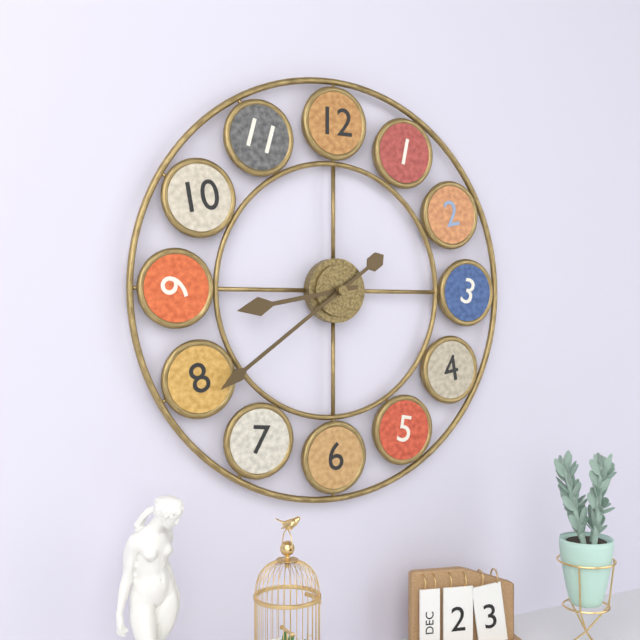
8:39
